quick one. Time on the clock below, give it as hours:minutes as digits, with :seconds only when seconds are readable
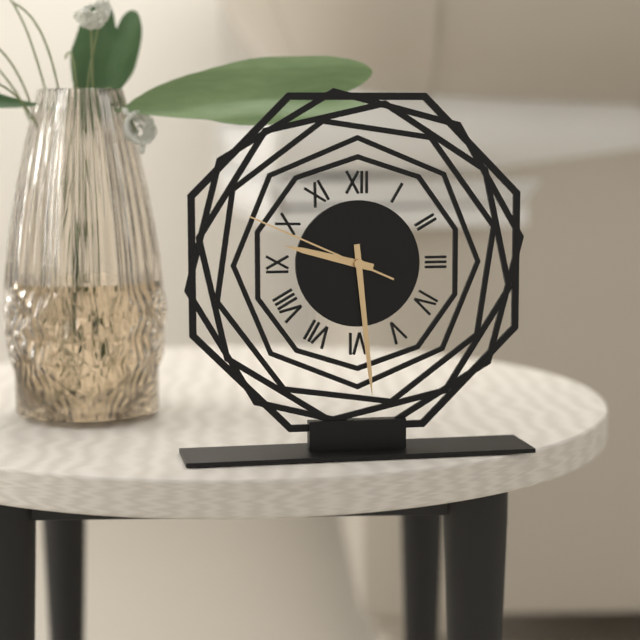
9:29:49
